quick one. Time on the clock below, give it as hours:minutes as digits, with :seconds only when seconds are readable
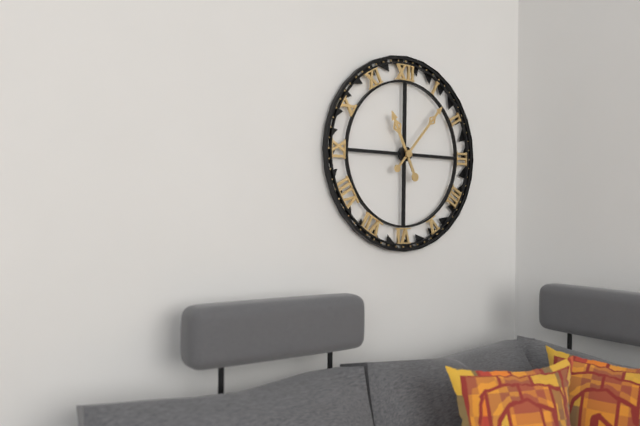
11:07
